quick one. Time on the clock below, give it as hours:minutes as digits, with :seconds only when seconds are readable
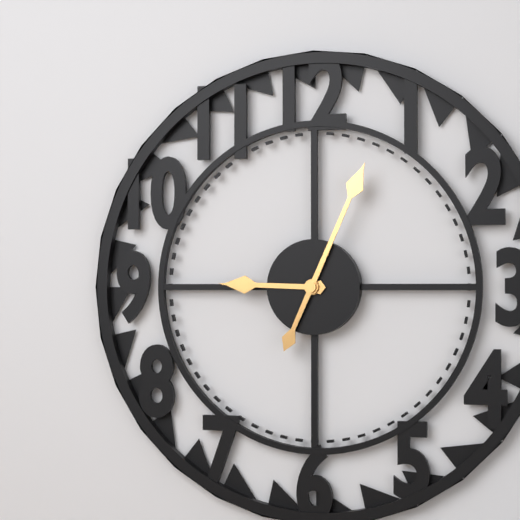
9:04
